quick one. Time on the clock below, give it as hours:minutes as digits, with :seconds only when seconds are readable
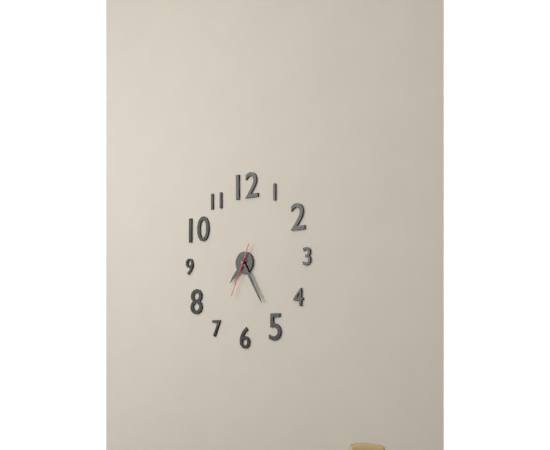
7:25
